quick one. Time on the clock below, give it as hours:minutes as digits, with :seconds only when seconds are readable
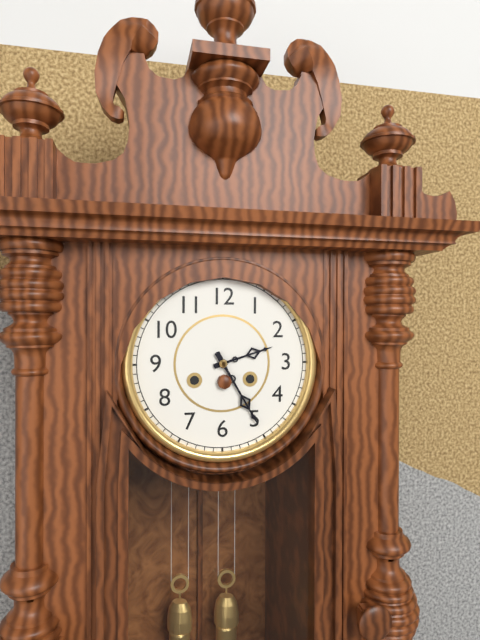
2:25
